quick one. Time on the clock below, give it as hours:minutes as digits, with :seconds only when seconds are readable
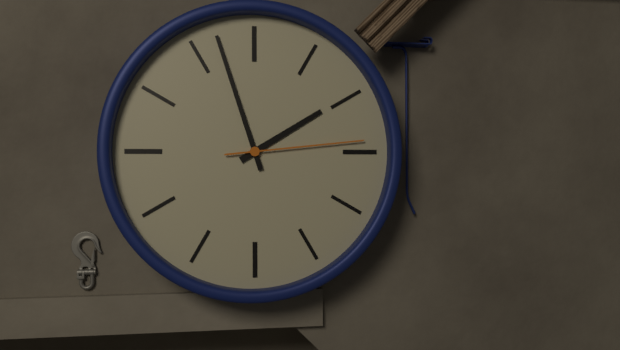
1:57:14
